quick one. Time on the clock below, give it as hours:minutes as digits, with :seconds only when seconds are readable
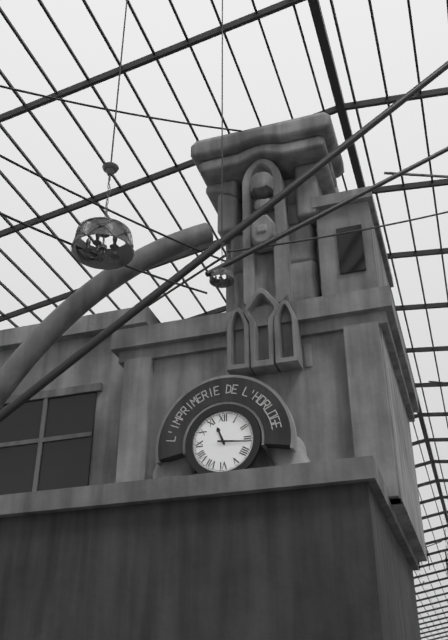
11:16
